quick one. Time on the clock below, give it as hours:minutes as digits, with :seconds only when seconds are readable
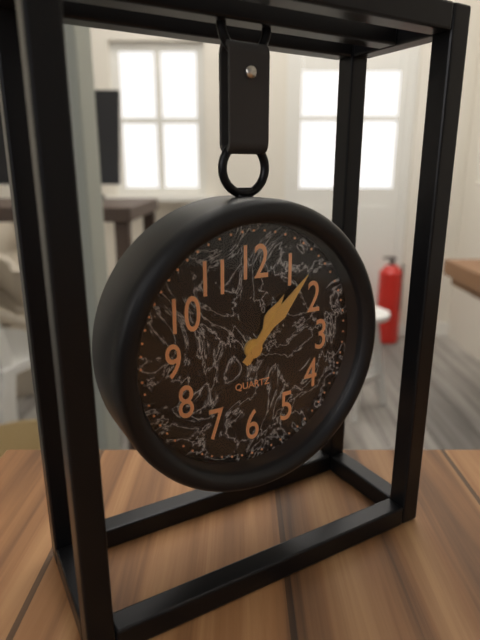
1:07
